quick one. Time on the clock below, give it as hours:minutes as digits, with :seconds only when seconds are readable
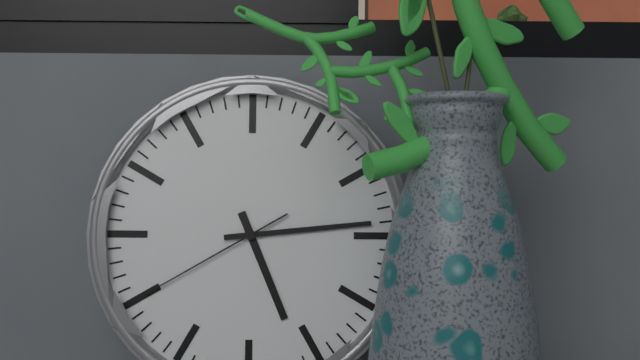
5:14:40
